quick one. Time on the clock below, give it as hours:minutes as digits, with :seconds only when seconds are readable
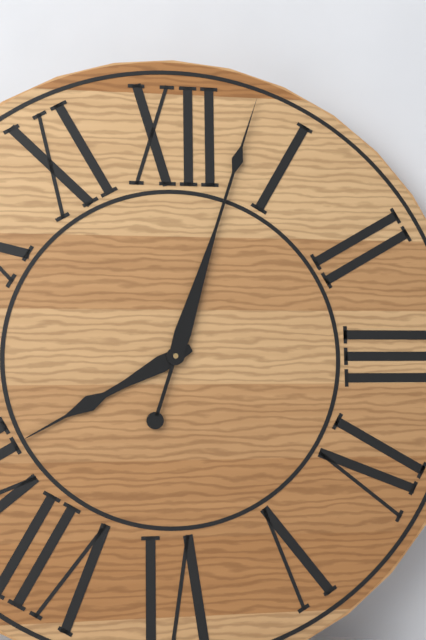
8:03
